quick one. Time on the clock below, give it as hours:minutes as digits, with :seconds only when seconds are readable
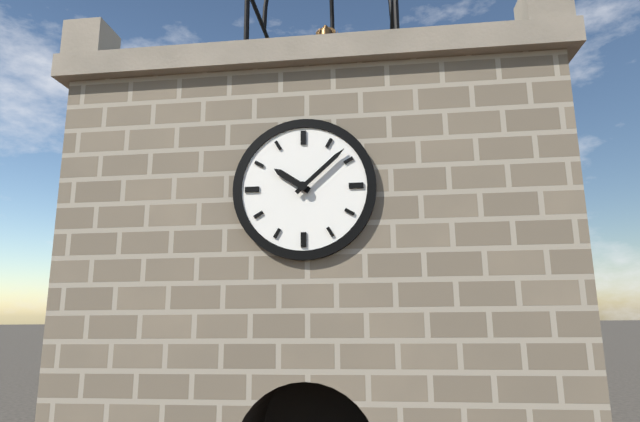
10:08
